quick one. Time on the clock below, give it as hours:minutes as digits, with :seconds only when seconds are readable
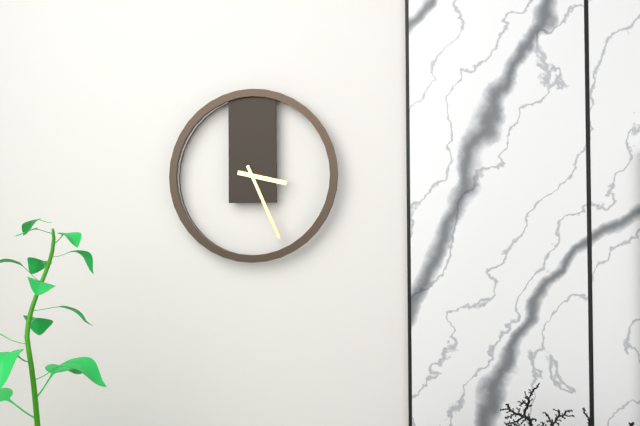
3:26
